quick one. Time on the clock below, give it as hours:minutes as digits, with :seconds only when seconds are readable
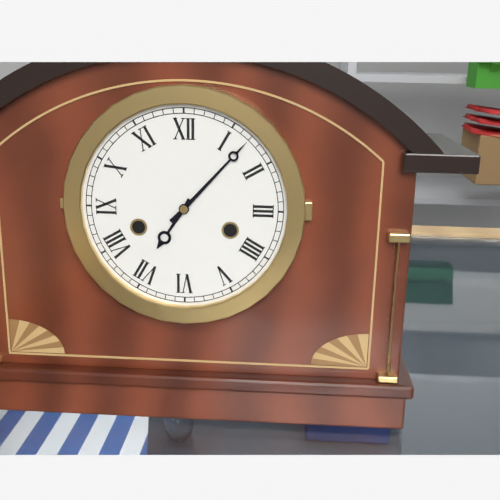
7:07
